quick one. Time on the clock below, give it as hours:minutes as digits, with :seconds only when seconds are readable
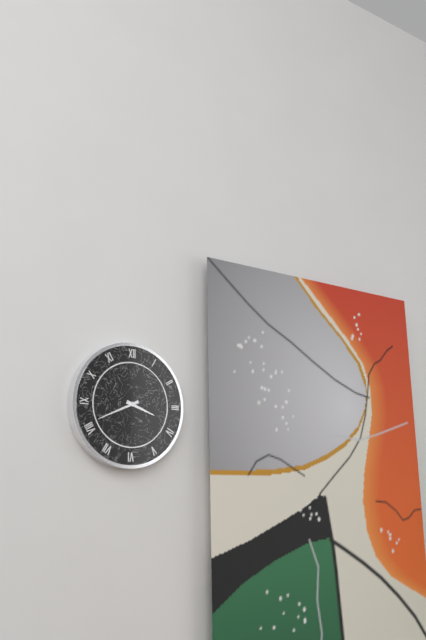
3:41
